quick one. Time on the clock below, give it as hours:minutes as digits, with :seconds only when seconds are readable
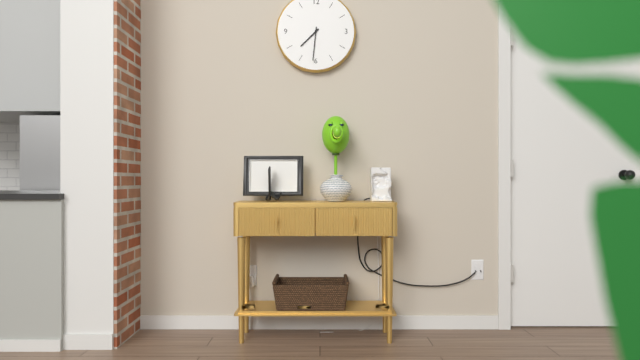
7:31
